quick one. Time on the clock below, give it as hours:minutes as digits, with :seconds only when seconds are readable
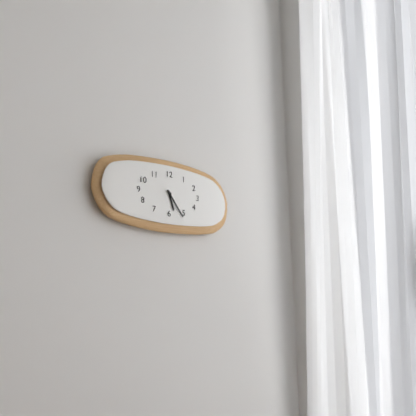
5:24
